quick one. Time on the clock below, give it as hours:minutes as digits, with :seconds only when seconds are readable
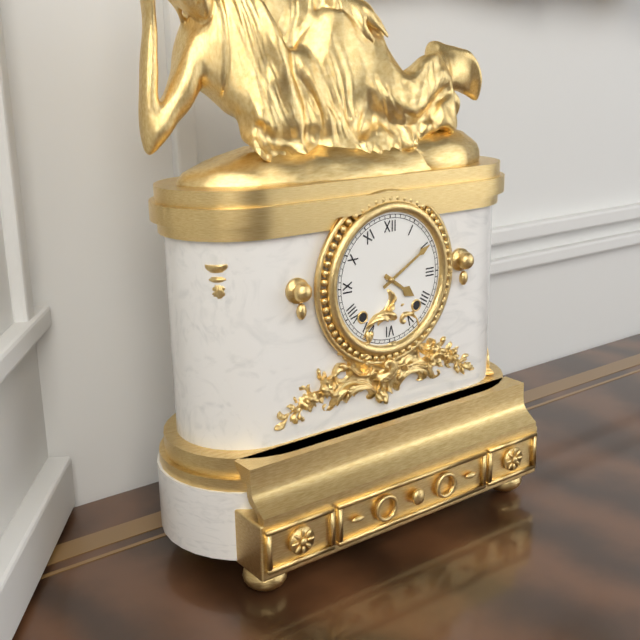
4:10
